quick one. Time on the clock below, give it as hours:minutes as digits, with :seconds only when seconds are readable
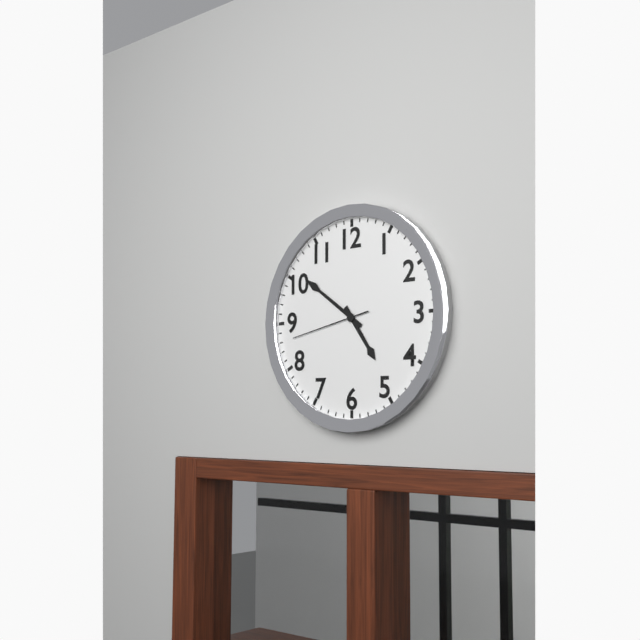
4:51:43
